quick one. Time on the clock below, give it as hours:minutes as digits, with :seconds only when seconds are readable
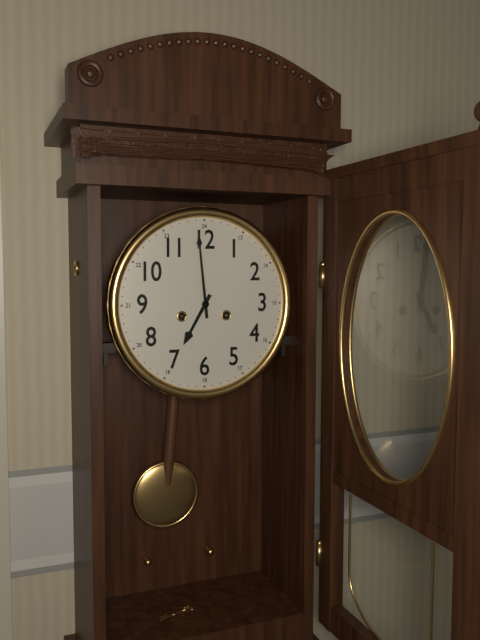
6:59
